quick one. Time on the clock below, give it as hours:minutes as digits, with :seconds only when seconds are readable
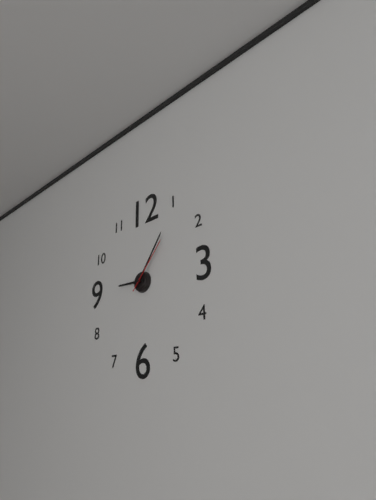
9:06:07
